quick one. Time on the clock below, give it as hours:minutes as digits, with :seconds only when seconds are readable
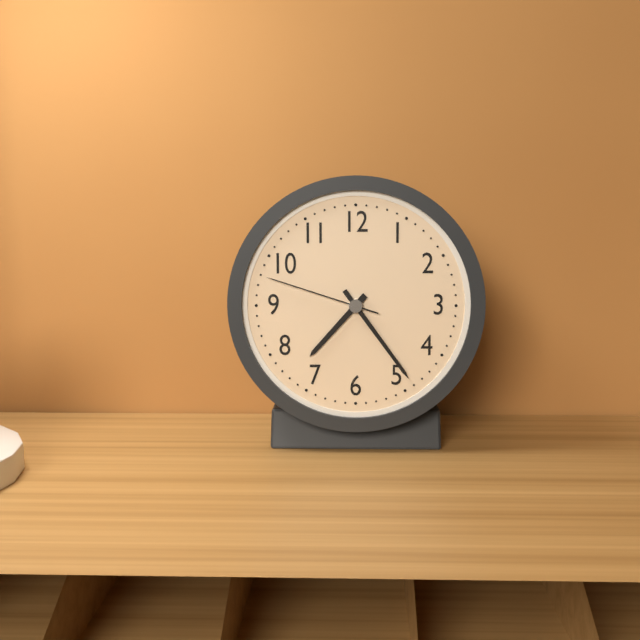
7:24:48
